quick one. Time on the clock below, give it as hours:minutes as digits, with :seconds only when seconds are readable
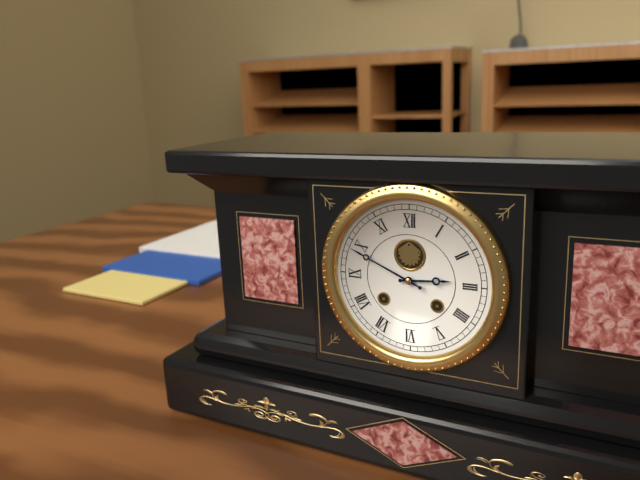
2:49
